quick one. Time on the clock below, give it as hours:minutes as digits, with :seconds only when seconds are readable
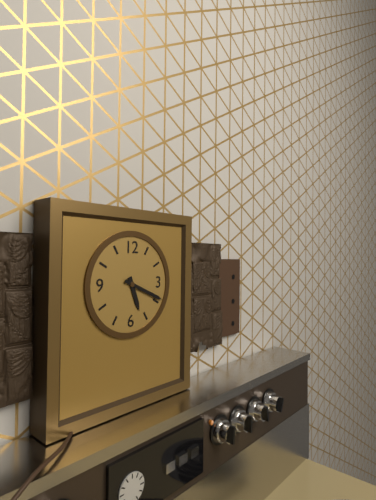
5:19
